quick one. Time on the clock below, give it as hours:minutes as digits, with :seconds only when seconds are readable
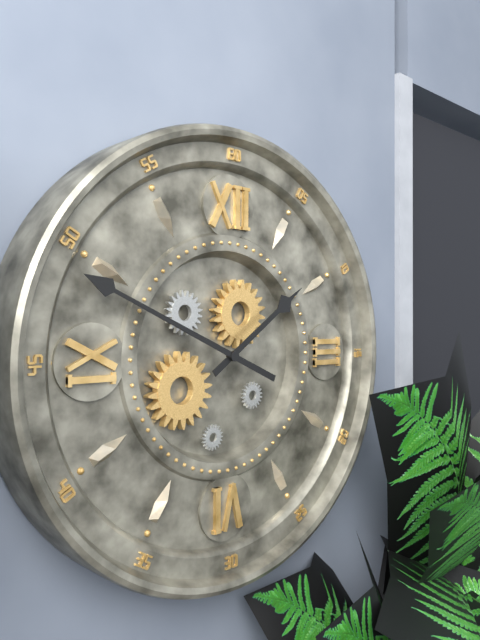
1:49
